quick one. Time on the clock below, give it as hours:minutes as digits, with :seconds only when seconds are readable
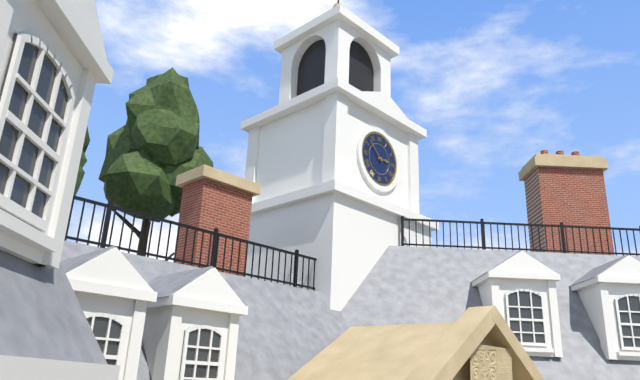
2:52
